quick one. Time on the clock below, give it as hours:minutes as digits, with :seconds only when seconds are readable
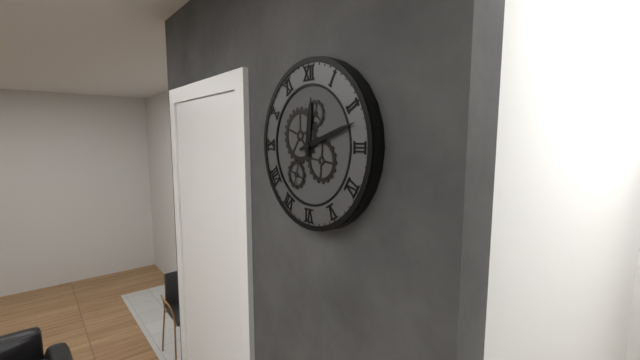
12:12
